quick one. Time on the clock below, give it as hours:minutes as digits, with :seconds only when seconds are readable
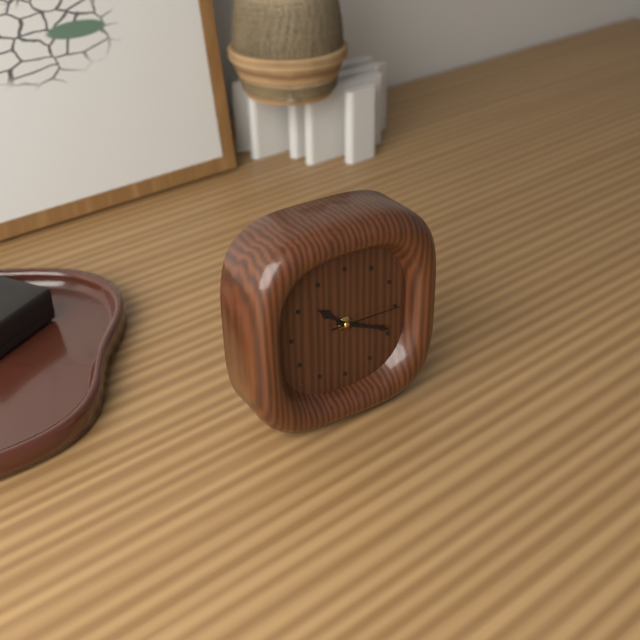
10:19:15
